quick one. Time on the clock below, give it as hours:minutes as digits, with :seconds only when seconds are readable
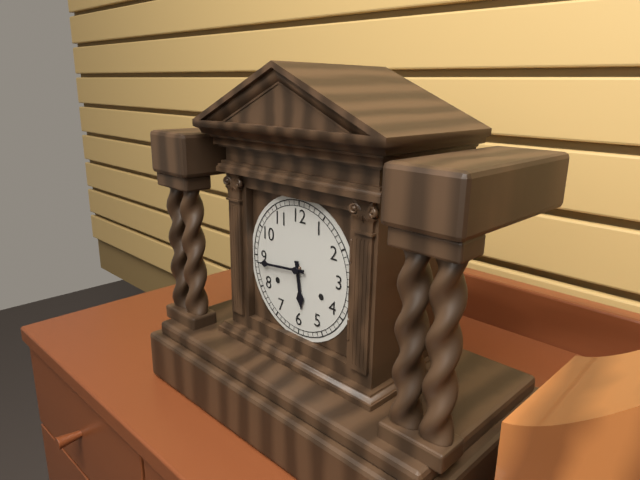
5:44
